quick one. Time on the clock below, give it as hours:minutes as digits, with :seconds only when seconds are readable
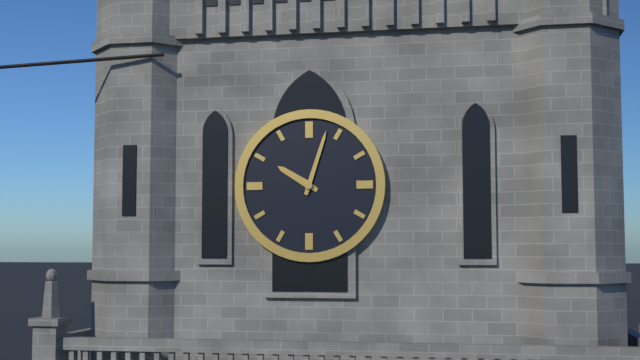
10:03
